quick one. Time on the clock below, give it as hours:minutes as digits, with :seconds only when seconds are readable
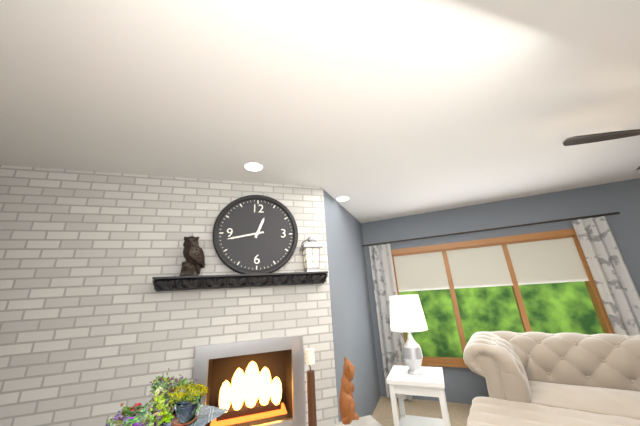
12:43
